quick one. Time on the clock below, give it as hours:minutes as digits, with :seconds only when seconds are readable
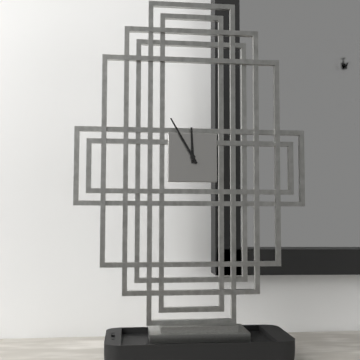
11:55
